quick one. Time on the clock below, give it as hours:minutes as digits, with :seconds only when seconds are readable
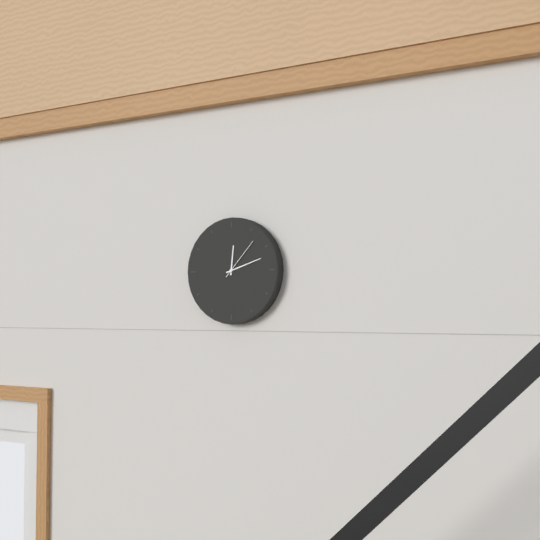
12:12
